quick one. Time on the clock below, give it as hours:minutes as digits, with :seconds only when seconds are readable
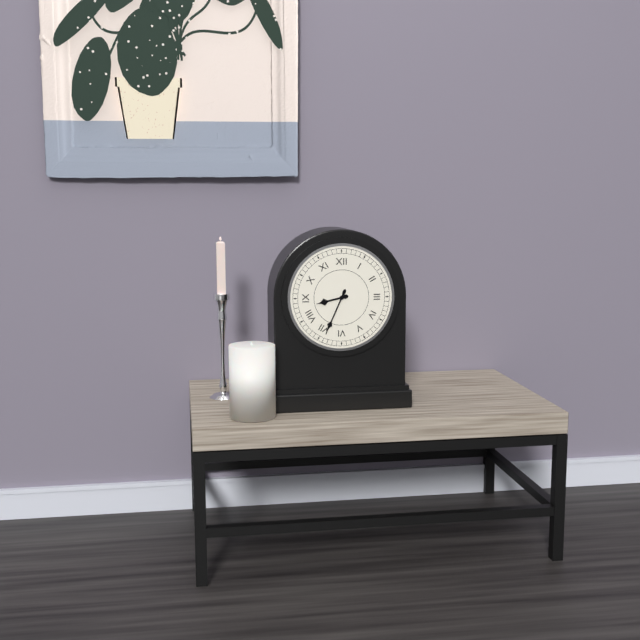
8:34
